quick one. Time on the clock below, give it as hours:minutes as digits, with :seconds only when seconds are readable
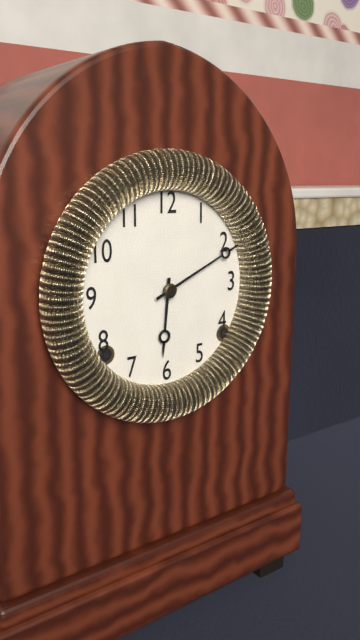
6:11
